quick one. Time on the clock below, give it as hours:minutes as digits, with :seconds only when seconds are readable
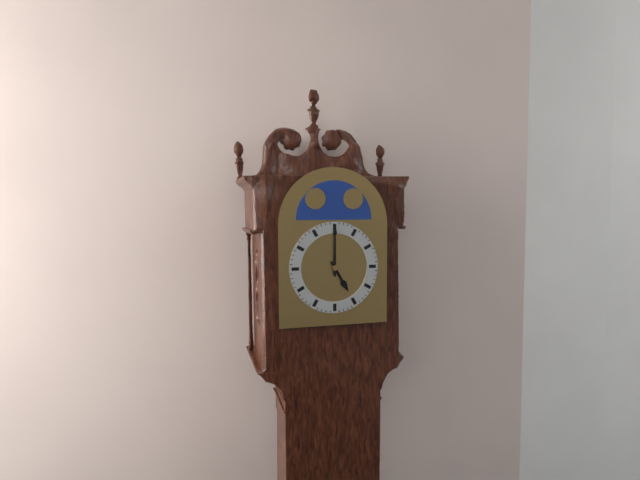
5:00
